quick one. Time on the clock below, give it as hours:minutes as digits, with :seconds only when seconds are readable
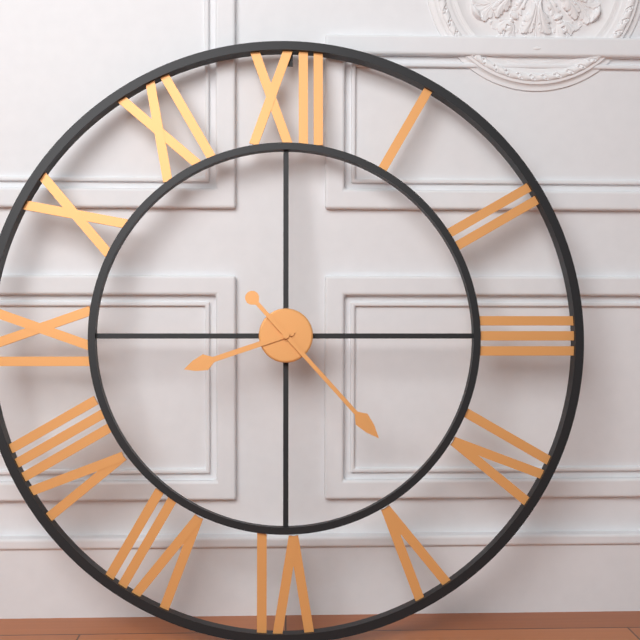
8:23
